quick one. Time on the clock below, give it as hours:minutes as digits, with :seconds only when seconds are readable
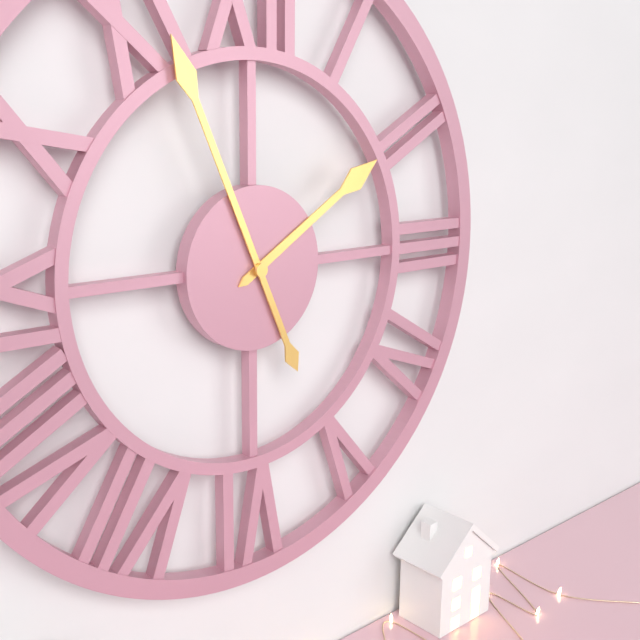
1:56
